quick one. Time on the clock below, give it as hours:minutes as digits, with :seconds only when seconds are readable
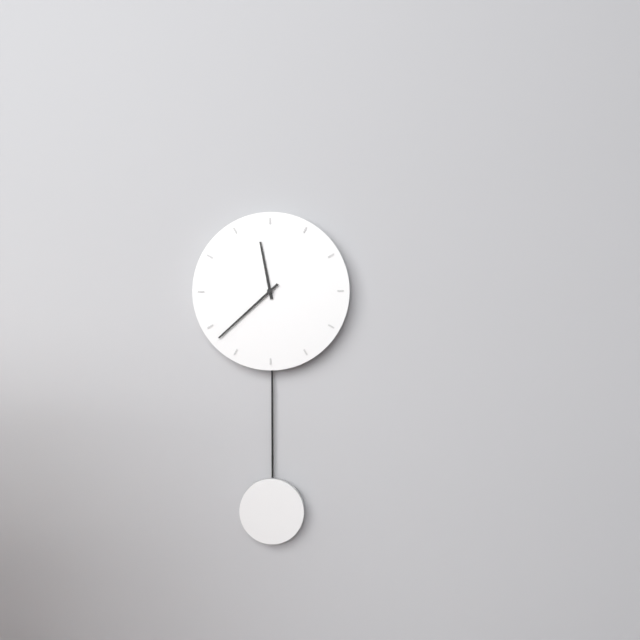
11:38
